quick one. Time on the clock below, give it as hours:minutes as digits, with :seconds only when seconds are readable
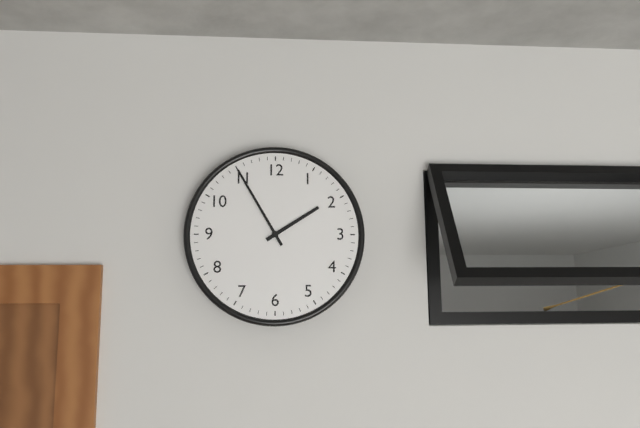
1:55
